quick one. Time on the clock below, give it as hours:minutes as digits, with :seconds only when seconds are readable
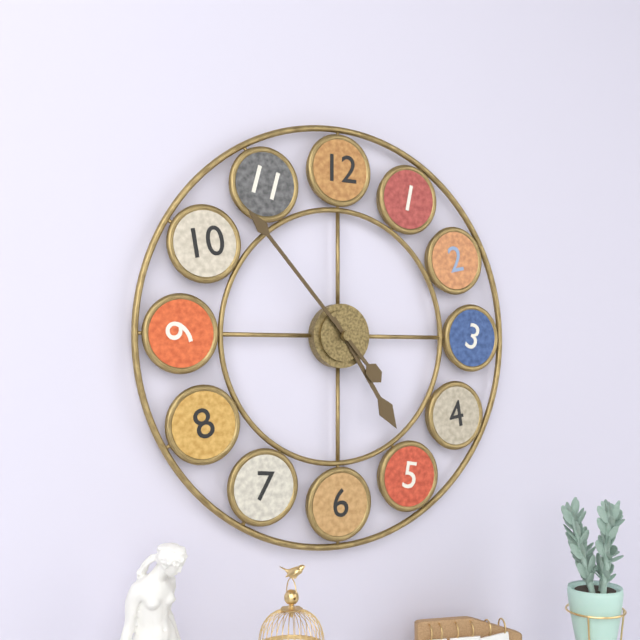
4:53
